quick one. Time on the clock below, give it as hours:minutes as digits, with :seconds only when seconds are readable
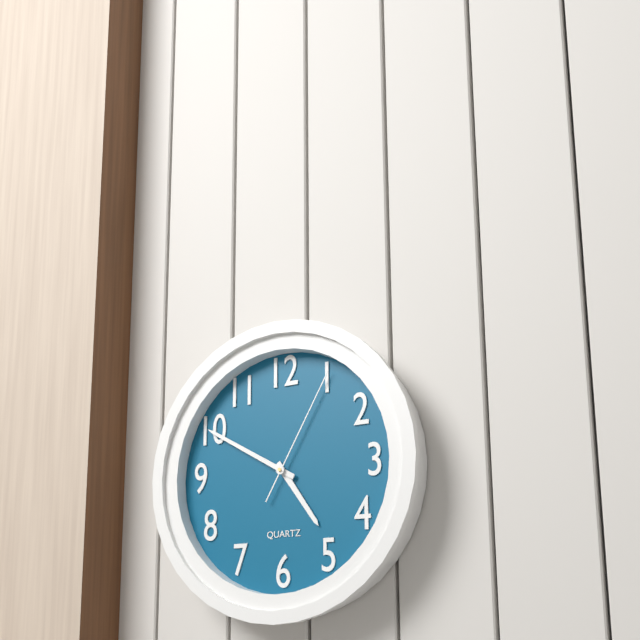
4:50:05
